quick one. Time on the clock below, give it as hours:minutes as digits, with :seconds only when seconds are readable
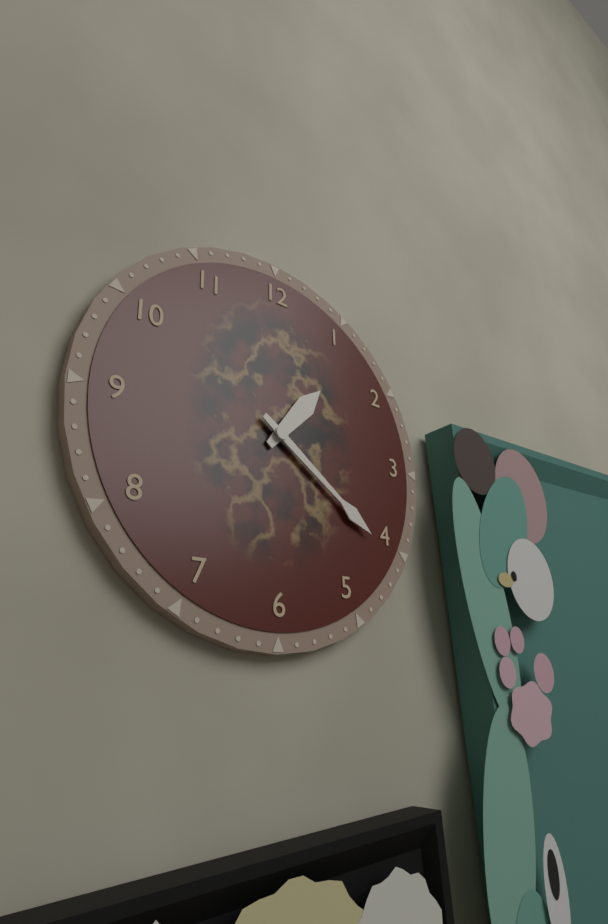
1:21
